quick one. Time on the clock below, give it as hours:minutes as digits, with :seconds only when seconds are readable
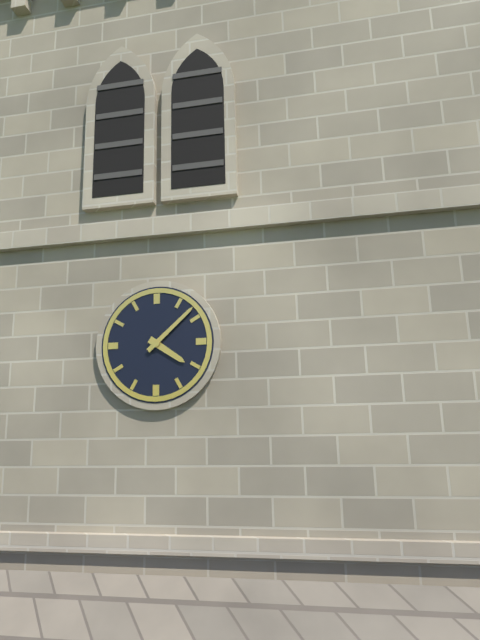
4:08
